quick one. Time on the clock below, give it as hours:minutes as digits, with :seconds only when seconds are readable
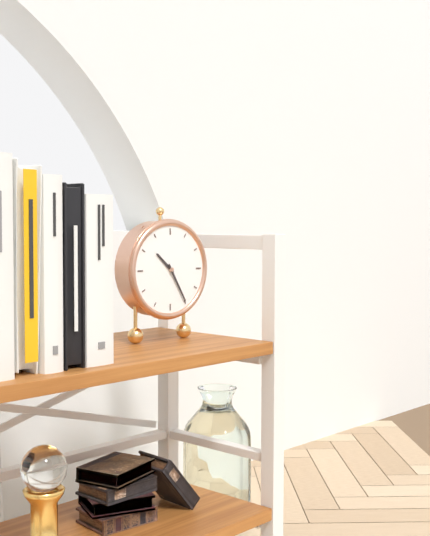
10:25
